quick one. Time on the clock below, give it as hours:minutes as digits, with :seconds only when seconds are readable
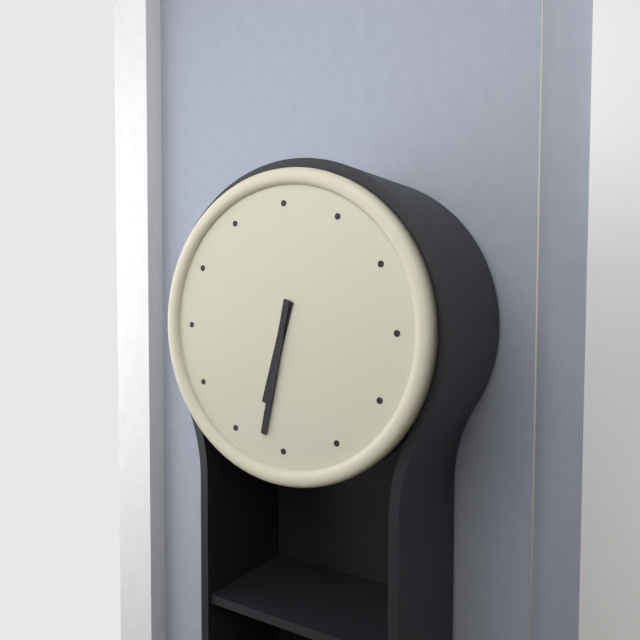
6:32
